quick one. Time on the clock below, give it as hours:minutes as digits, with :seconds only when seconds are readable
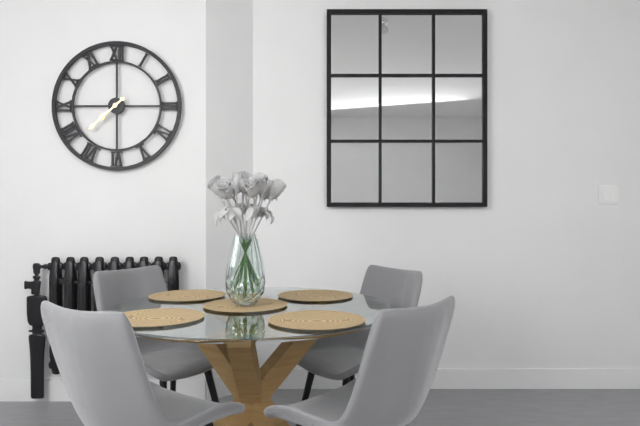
7:38
